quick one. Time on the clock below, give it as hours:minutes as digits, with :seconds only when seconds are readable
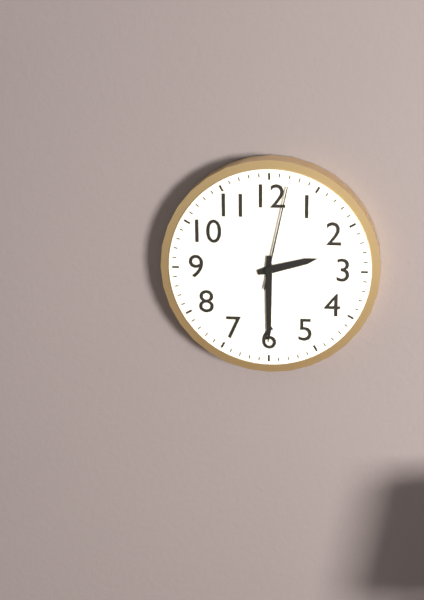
2:30:02
